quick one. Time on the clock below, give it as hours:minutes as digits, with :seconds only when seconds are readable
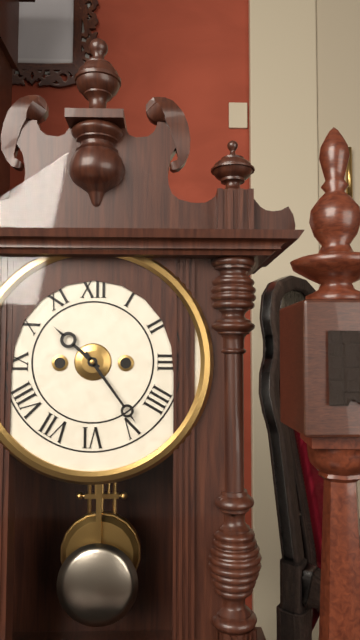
10:24
